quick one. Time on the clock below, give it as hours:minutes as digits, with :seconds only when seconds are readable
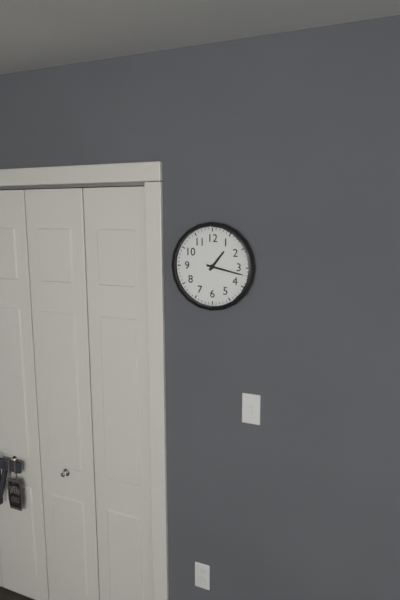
1:17
